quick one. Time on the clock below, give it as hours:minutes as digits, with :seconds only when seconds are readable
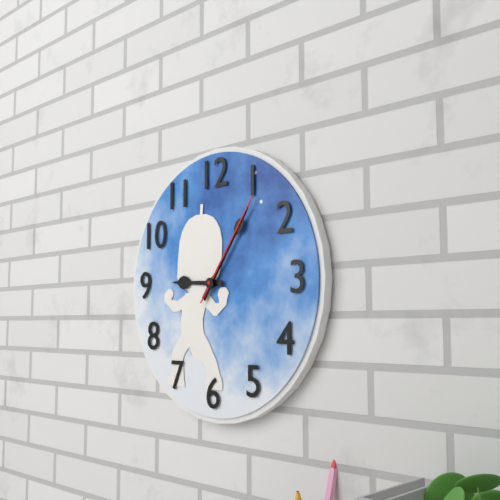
9:06:06
